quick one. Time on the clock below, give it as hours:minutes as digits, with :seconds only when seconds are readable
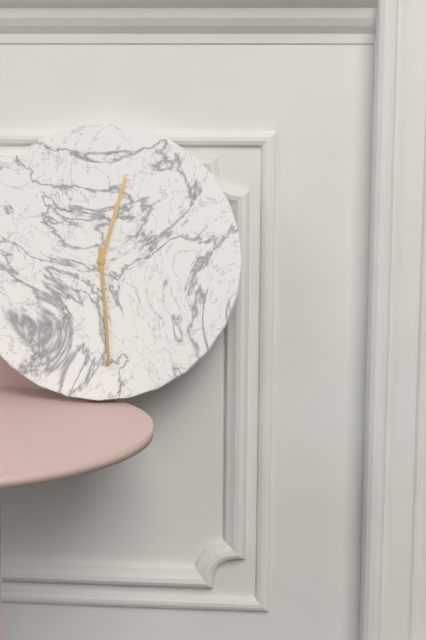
12:29
